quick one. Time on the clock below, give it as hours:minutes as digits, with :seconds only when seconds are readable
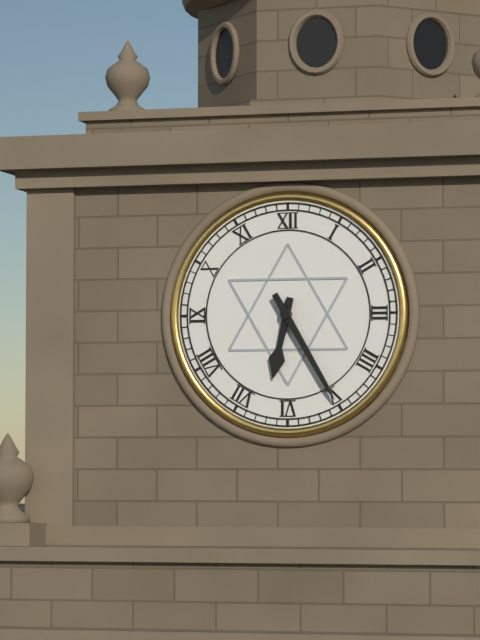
6:25
